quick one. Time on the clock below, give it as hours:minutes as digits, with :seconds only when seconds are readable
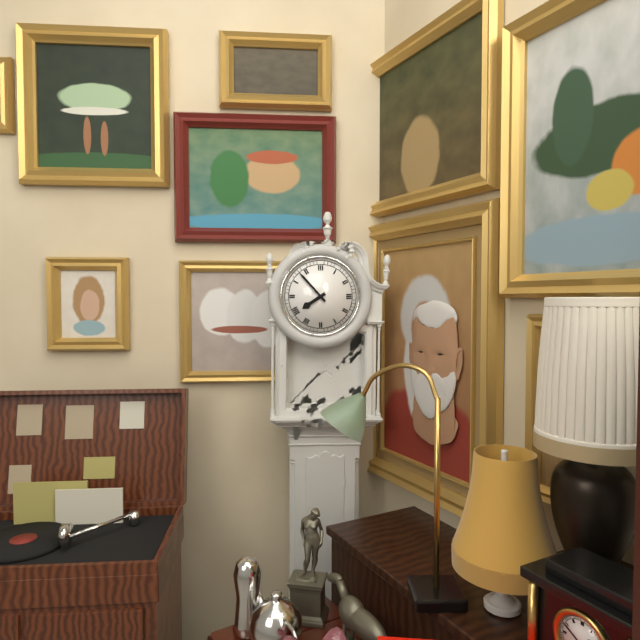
7:53
